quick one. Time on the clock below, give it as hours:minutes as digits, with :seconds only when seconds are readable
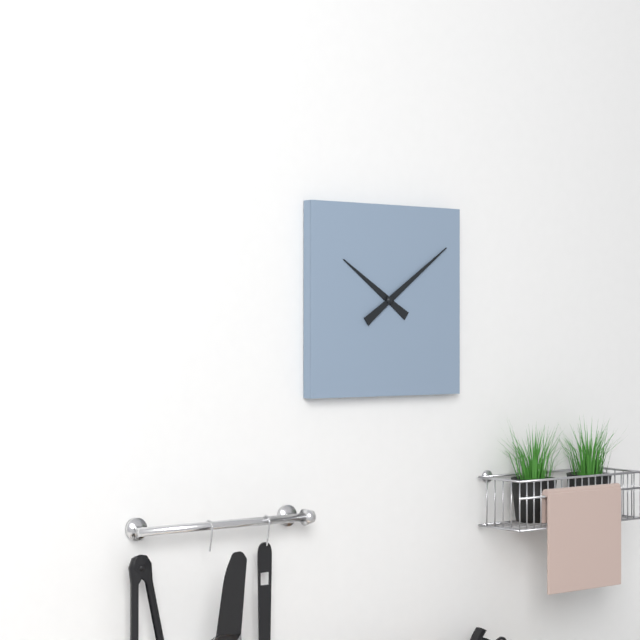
10:09
